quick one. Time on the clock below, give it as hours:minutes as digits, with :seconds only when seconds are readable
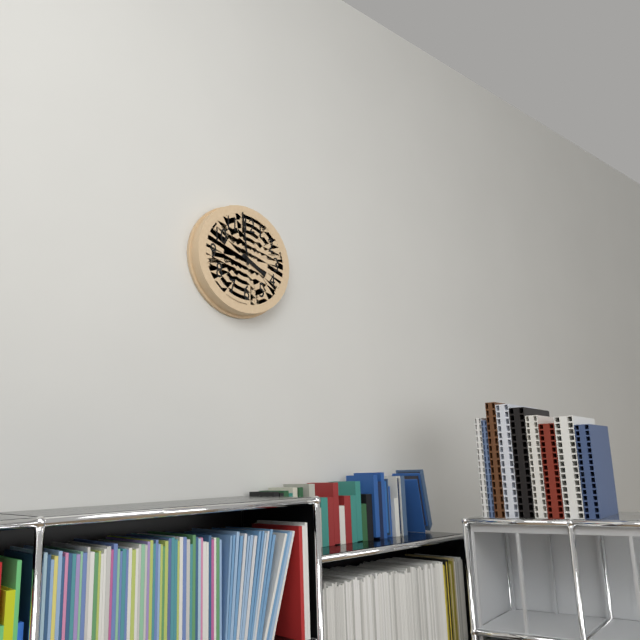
3:59
